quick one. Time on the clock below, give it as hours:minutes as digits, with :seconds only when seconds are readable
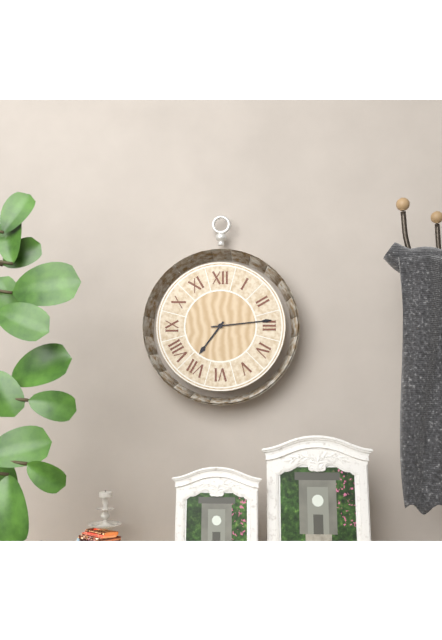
7:14
